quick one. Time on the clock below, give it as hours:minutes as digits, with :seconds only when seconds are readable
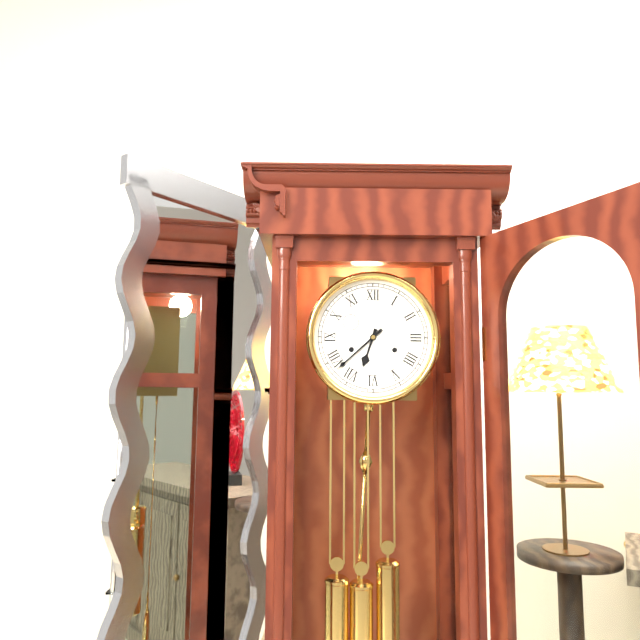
6:38
